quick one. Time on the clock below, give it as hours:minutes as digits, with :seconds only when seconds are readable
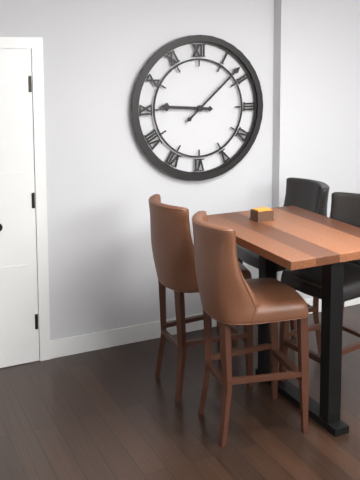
9:08
